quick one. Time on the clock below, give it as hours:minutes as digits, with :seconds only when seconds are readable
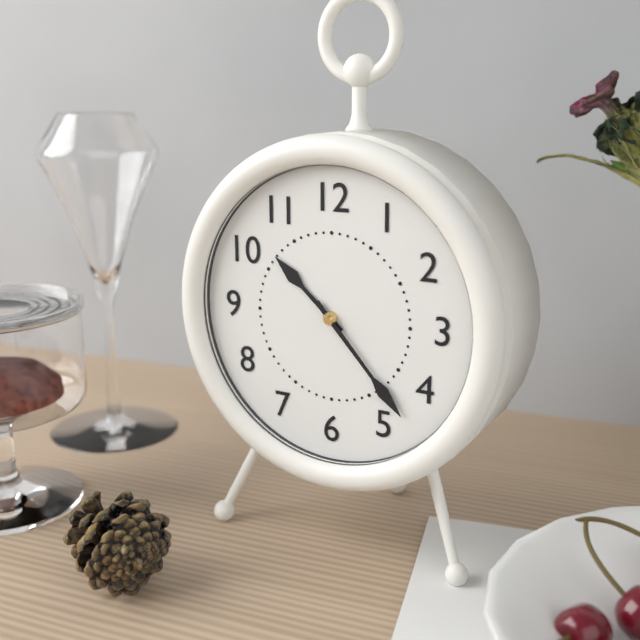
10:23
